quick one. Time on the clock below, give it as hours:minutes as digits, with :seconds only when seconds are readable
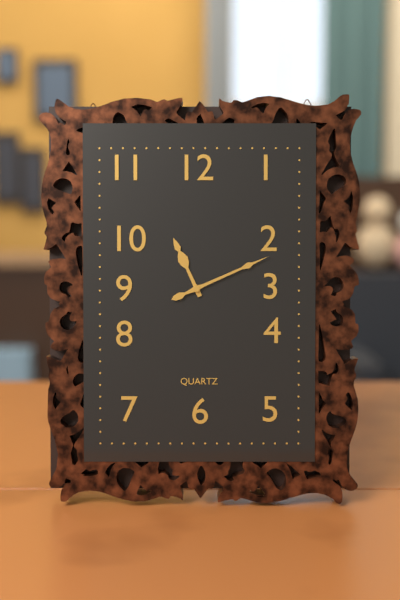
11:11
